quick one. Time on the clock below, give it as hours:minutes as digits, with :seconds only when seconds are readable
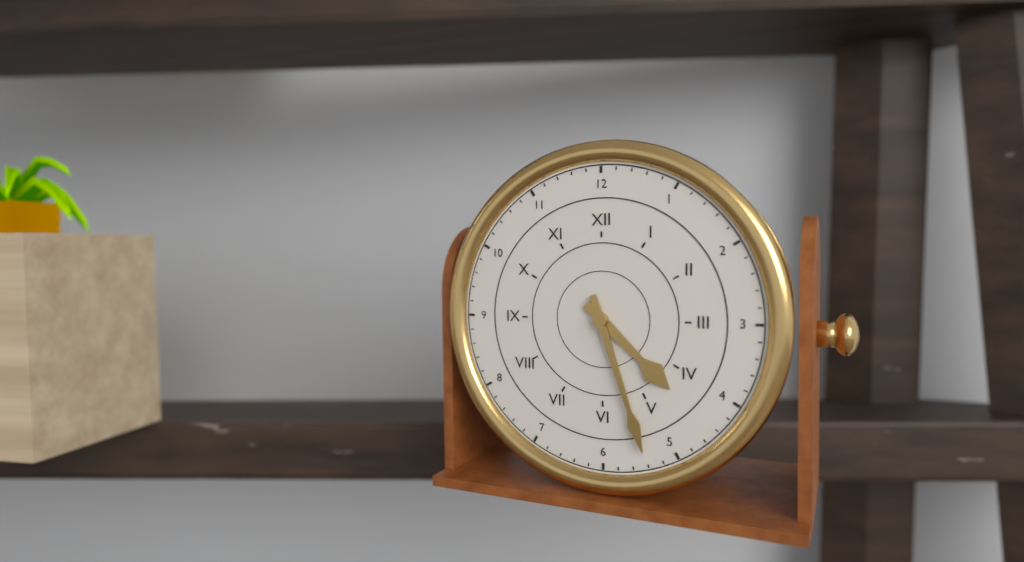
4:27
